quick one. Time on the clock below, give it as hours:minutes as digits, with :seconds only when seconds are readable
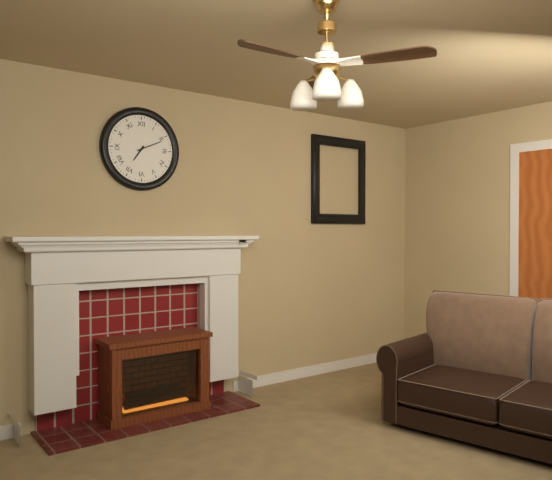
7:11
